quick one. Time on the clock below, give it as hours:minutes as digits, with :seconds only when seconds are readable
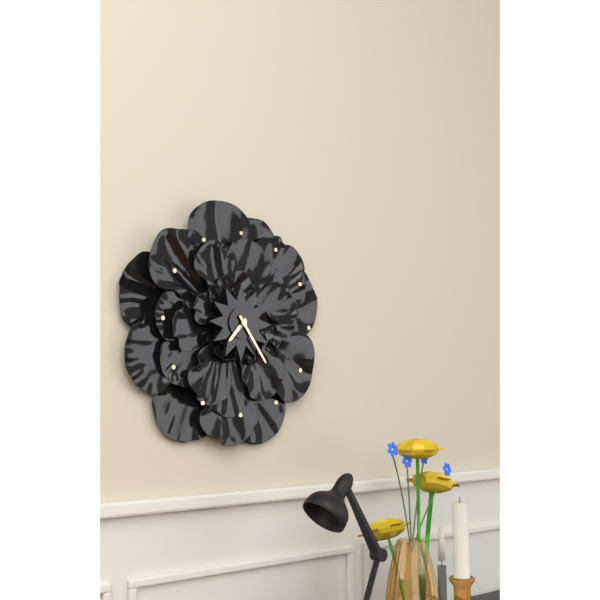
7:24
